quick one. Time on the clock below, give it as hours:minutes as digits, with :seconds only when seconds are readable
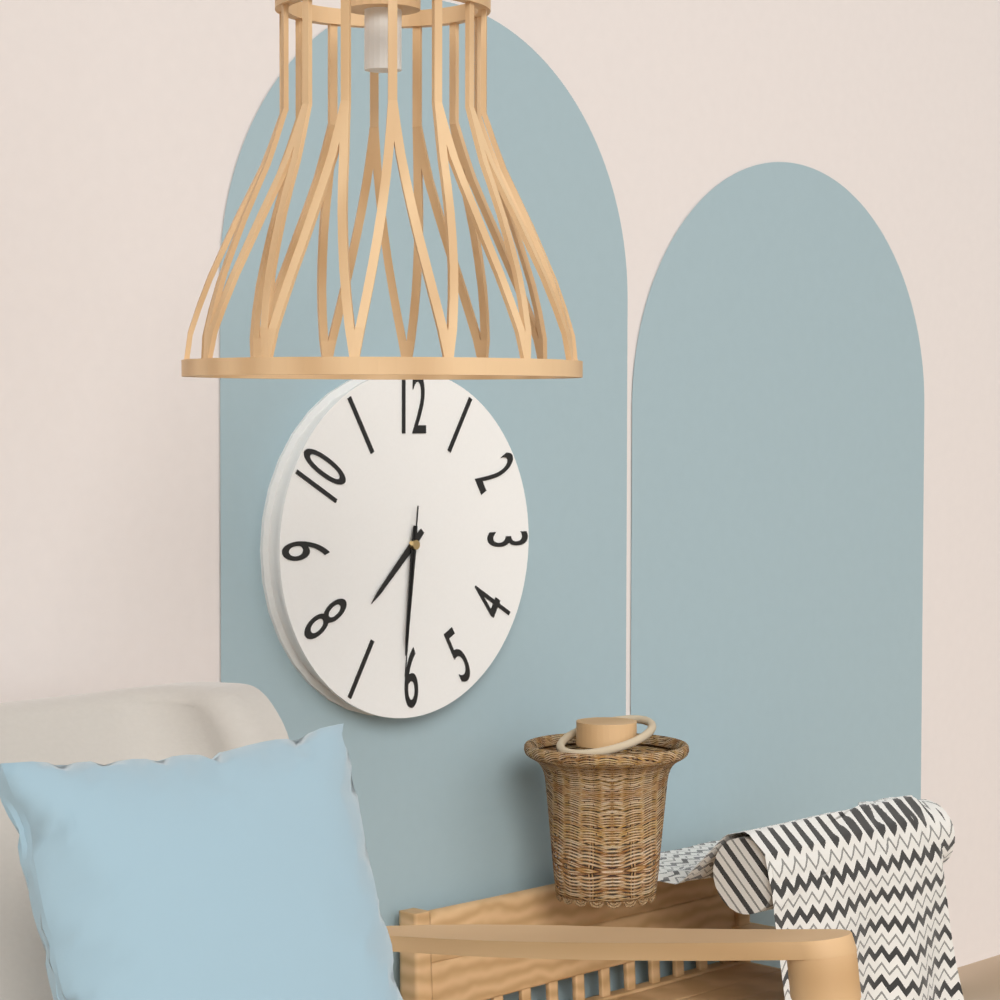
7:31:31
